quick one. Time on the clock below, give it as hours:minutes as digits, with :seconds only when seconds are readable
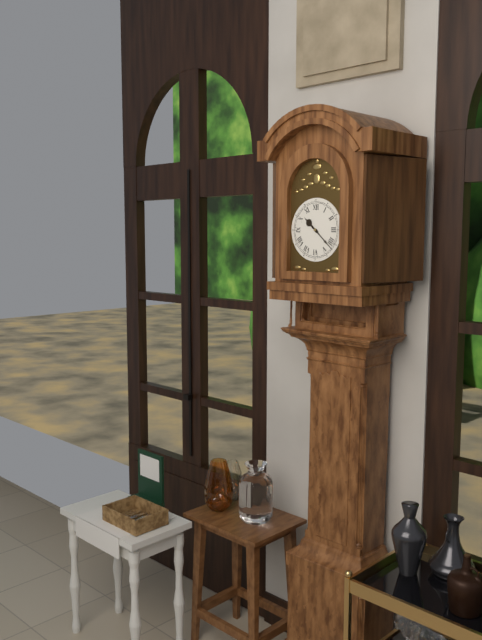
10:22
